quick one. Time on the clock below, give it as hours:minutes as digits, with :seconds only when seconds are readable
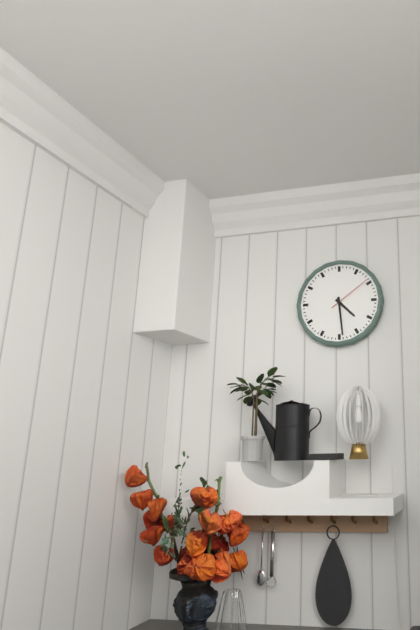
4:29
